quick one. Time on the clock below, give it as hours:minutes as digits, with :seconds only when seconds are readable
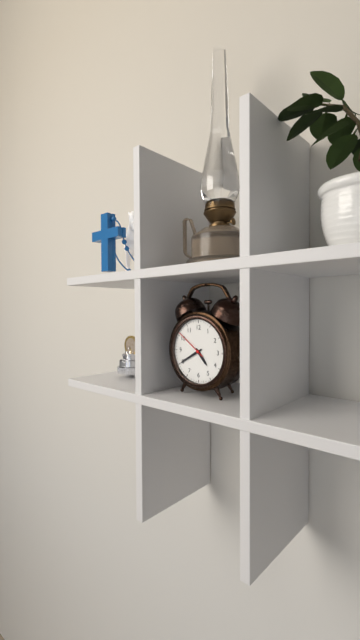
4:40
